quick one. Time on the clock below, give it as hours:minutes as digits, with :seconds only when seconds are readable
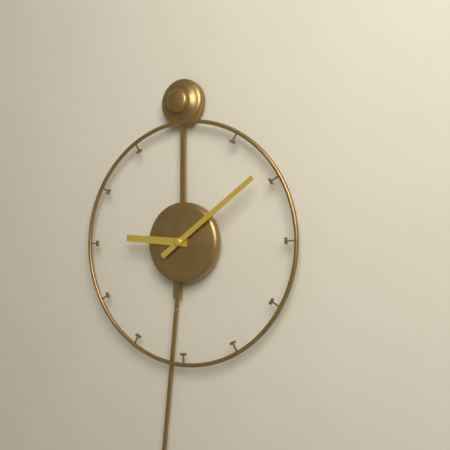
9:09
